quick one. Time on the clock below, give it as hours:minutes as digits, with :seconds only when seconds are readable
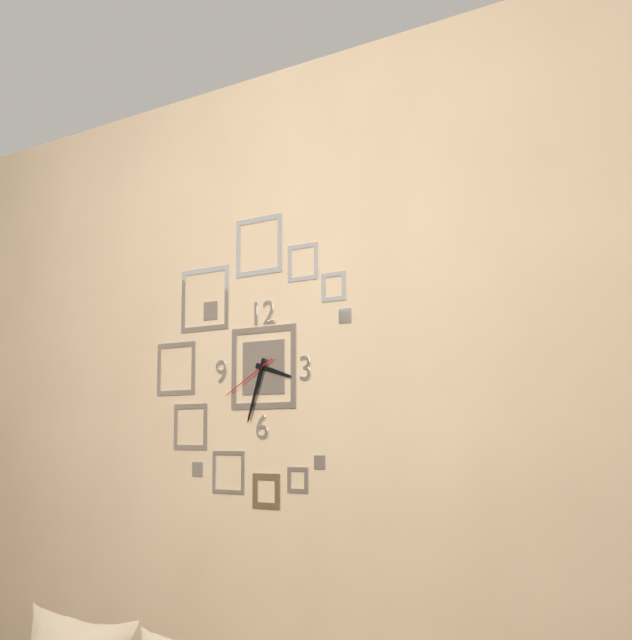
3:33:40
